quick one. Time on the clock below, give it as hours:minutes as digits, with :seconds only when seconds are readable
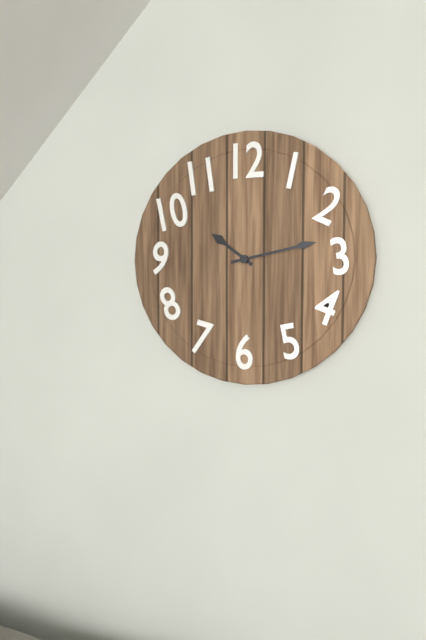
10:13
